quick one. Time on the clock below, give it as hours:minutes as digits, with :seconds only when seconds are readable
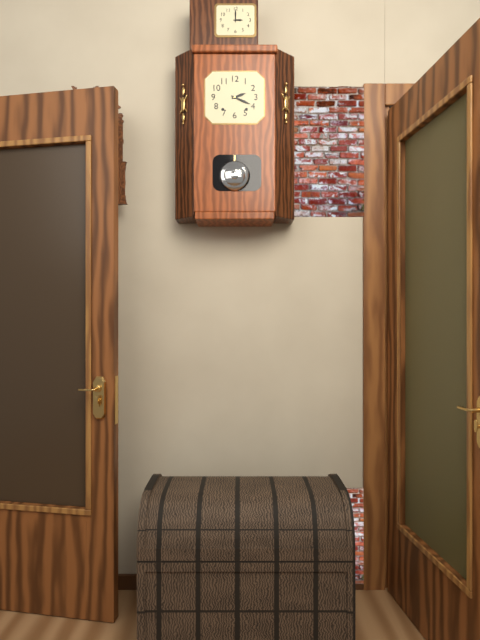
2:19
